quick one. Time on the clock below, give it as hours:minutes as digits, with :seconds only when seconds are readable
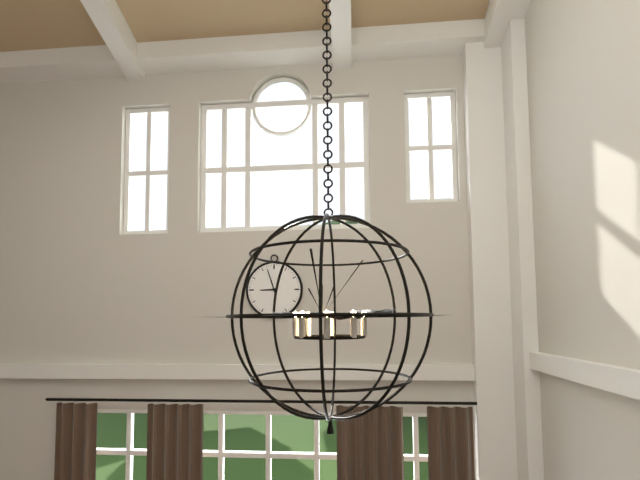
8:57
